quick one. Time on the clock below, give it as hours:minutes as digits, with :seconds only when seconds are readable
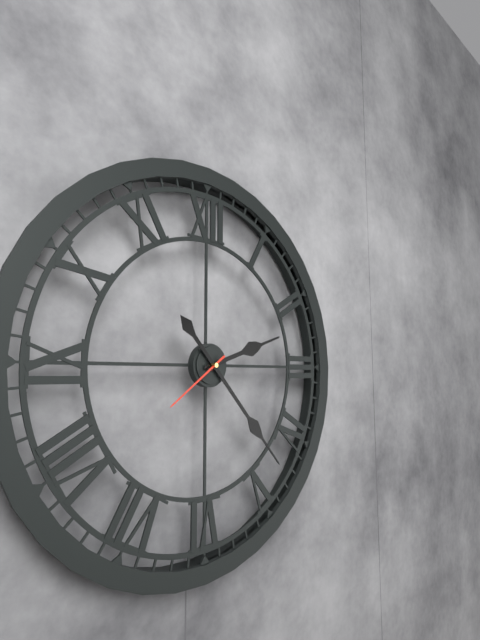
2:23:39
